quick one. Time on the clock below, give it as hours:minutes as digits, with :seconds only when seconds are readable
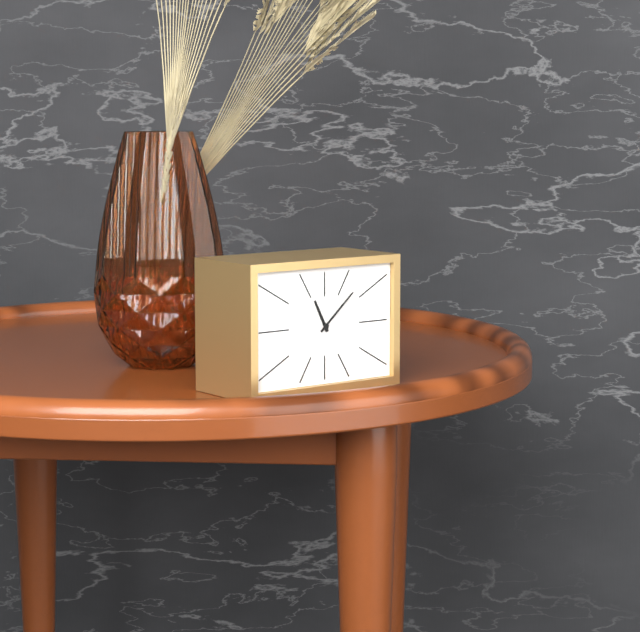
11:08
